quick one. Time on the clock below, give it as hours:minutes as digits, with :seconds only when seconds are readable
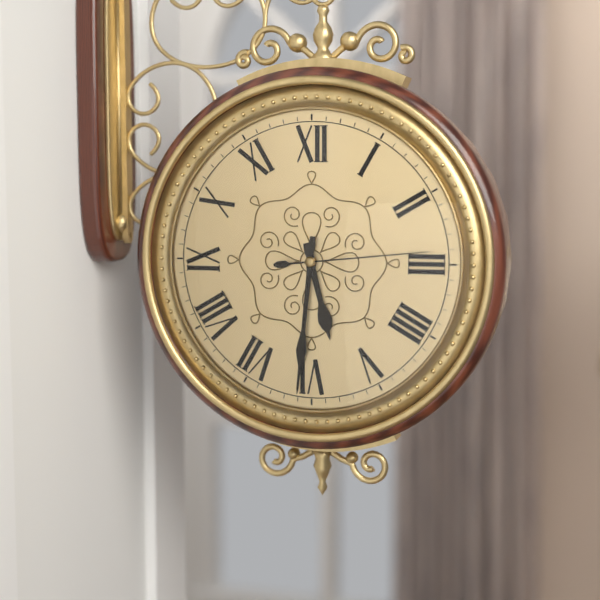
5:31:14
